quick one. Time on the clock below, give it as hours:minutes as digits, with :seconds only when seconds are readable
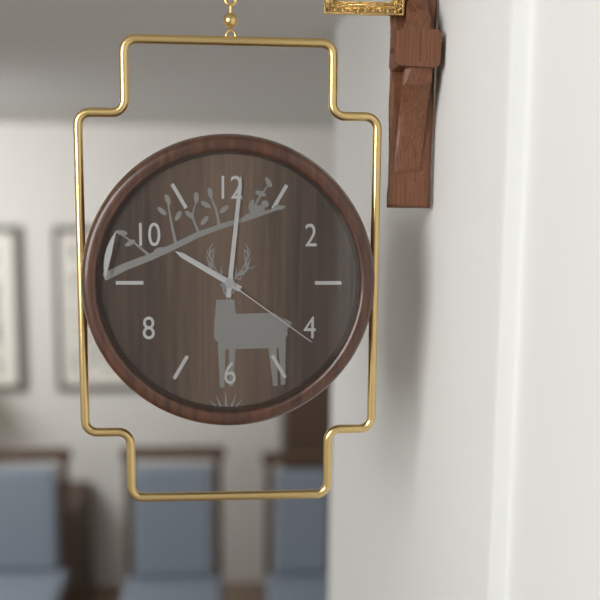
10:01:21
